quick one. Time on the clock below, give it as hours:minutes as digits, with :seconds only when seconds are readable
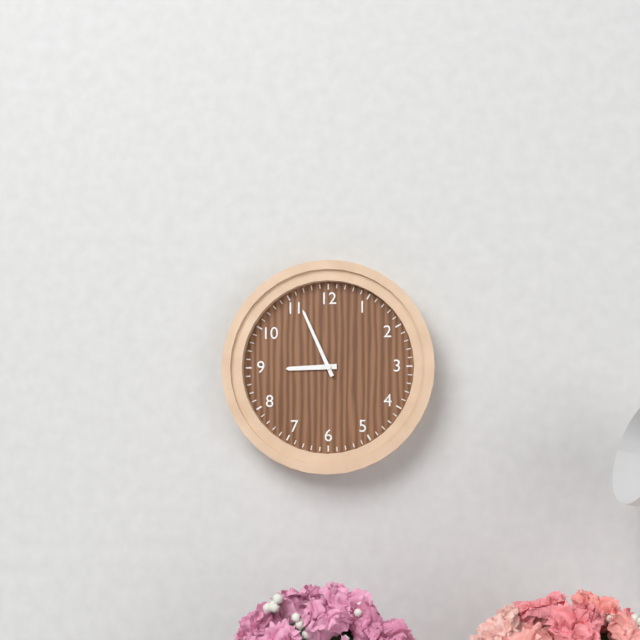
8:56
